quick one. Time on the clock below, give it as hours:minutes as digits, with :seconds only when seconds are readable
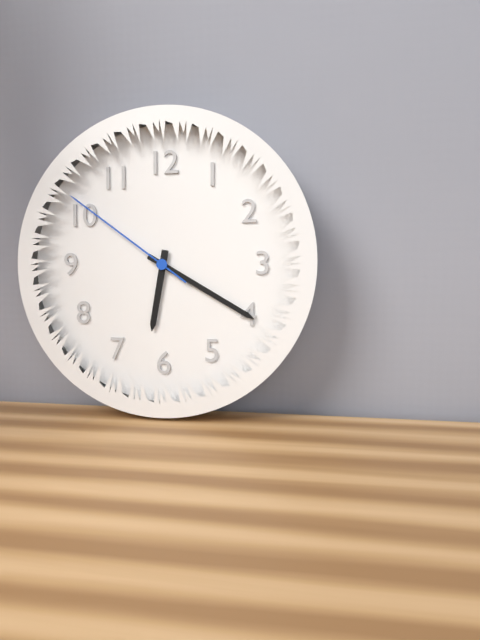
6:20:51
